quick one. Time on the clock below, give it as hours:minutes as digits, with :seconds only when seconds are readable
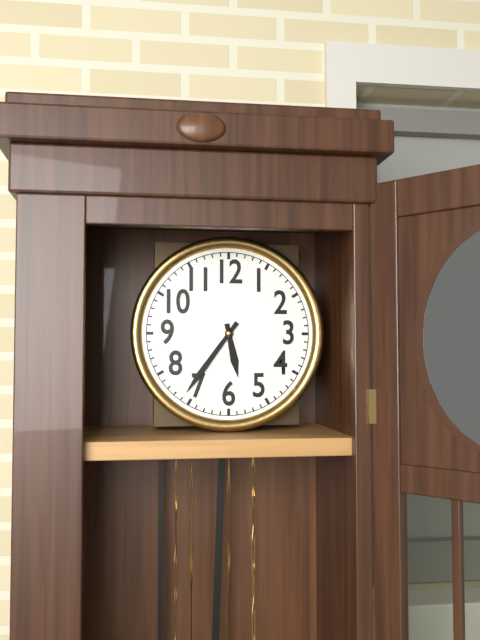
5:36
